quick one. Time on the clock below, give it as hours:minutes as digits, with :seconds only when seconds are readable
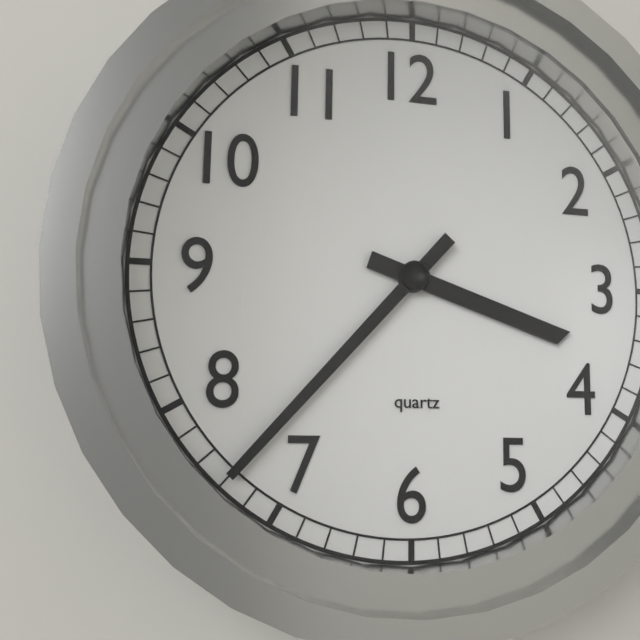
3:37
